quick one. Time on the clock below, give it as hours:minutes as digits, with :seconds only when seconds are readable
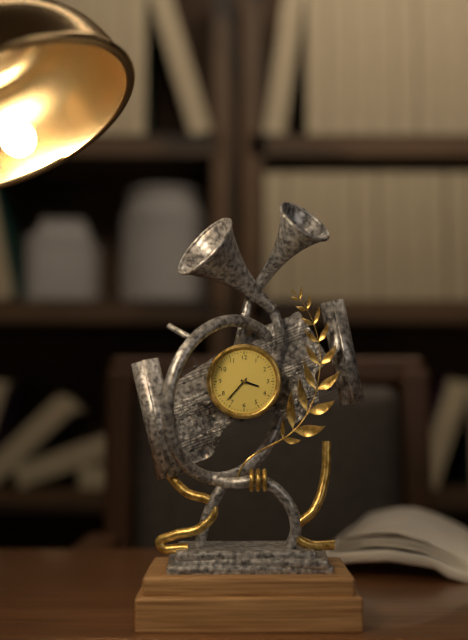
3:37
